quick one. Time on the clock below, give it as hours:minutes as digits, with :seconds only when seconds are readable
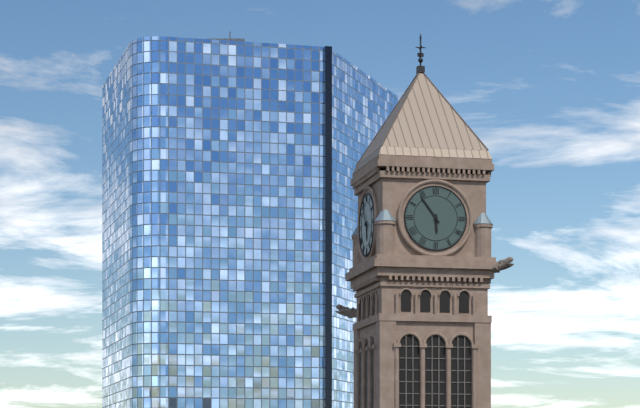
5:54
